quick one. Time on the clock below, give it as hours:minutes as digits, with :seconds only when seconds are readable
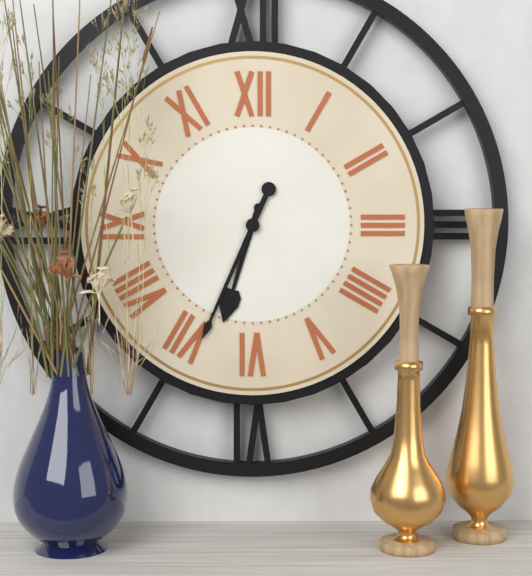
6:34
